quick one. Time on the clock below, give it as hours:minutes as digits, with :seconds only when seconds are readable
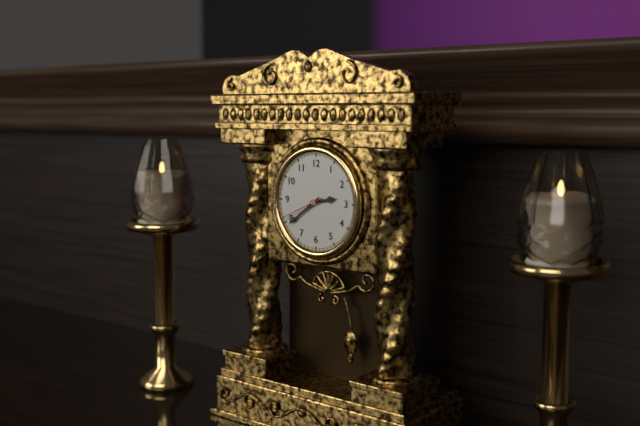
2:39
